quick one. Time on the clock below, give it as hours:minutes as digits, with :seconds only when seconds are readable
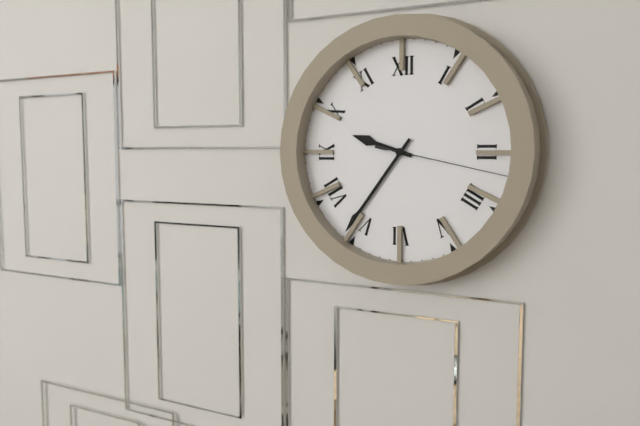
9:36:17
